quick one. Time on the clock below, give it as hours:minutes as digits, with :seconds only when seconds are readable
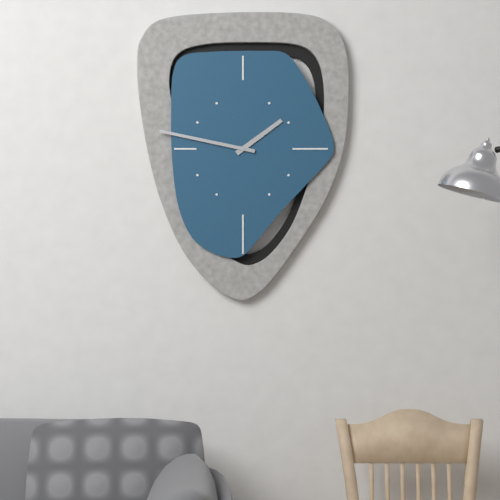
1:47
